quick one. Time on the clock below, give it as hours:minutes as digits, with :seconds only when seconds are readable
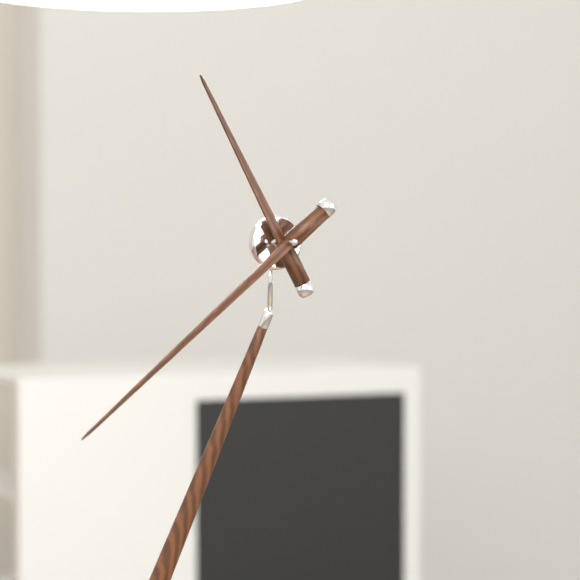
10:36
